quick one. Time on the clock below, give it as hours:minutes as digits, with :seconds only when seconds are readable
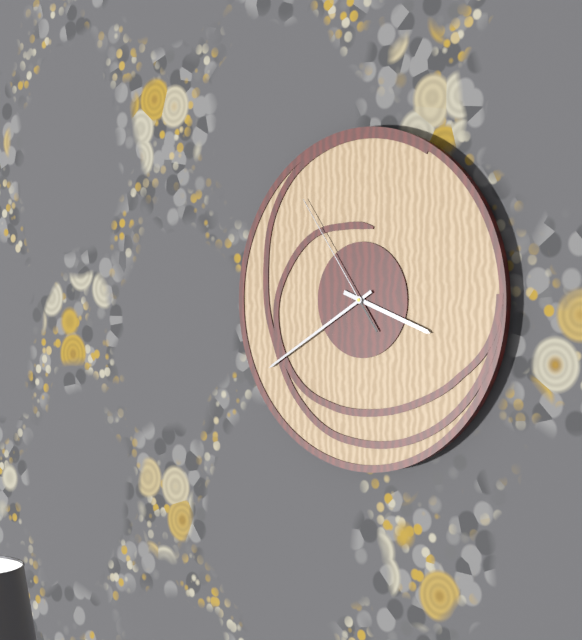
3:40:54
